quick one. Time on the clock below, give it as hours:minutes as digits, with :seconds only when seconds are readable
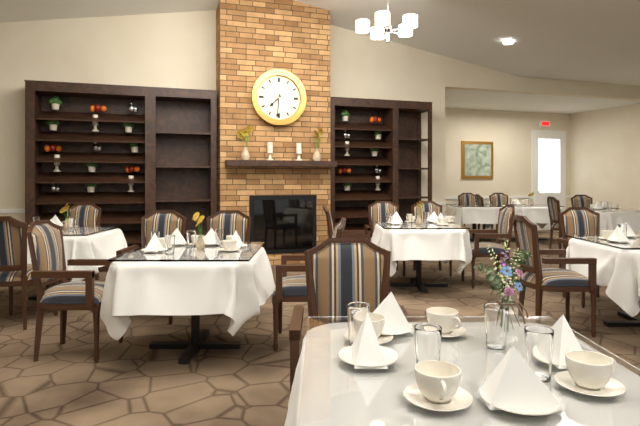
7:31
